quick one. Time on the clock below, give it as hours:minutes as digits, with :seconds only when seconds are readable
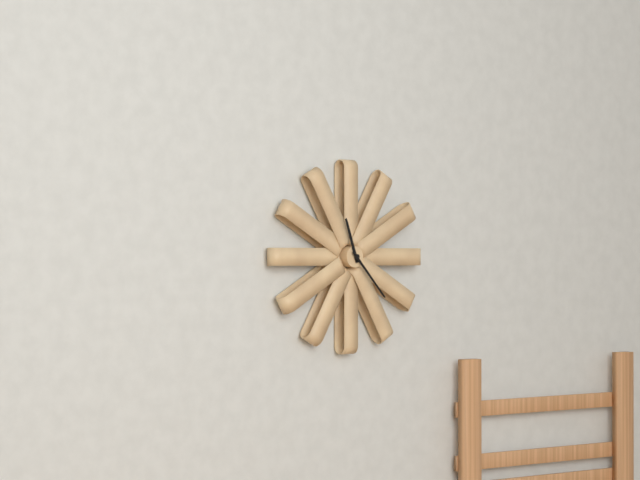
11:23
